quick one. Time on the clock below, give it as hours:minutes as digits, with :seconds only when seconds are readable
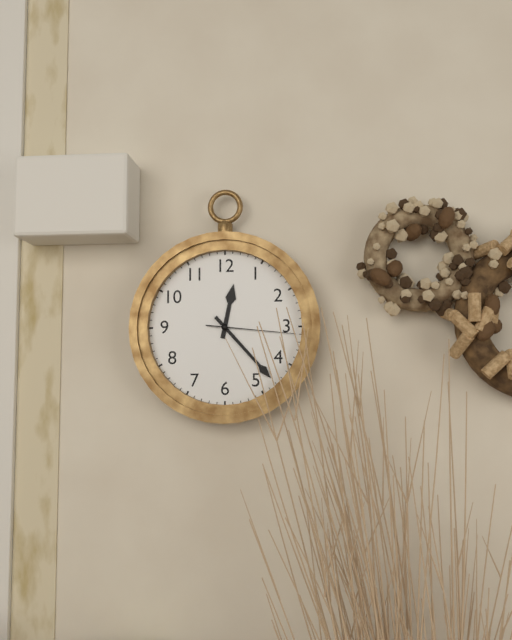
12:23:16
